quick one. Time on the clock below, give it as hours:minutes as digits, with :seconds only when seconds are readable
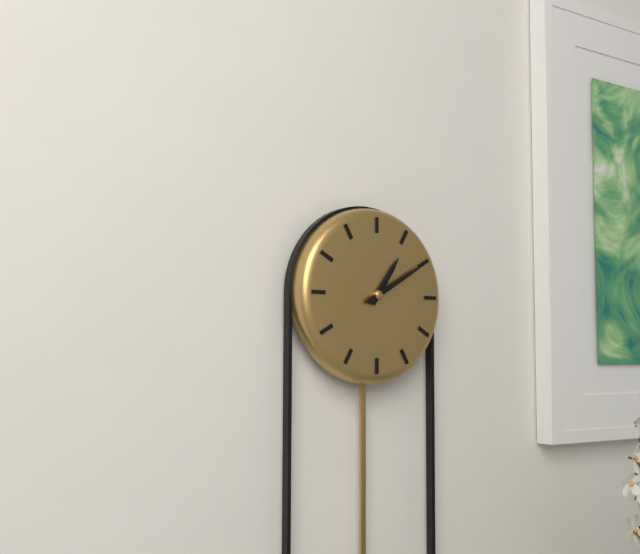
1:10
